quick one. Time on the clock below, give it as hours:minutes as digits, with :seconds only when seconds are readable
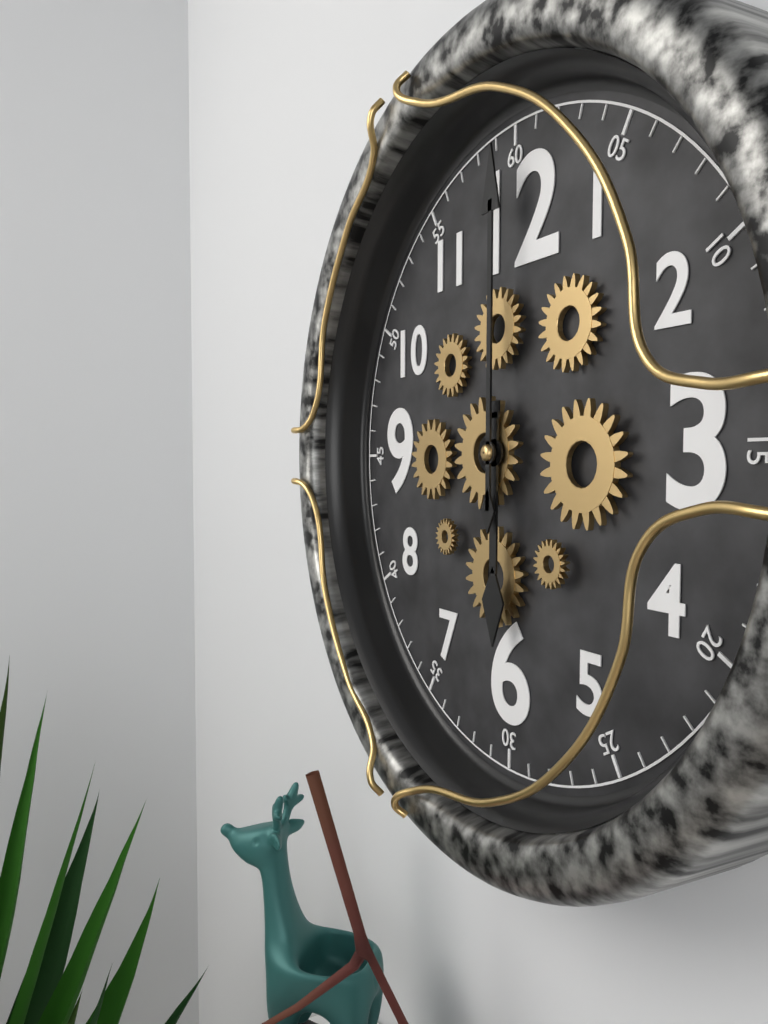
6:00
